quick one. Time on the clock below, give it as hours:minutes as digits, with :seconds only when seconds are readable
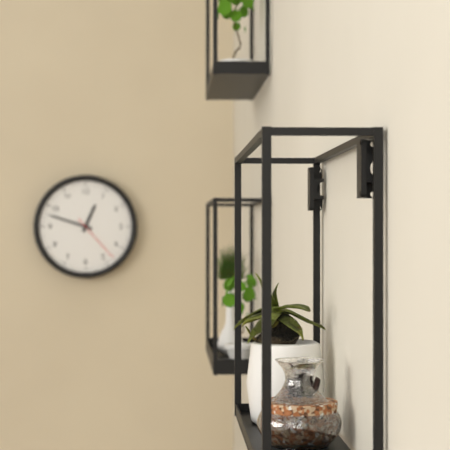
12:48:23
